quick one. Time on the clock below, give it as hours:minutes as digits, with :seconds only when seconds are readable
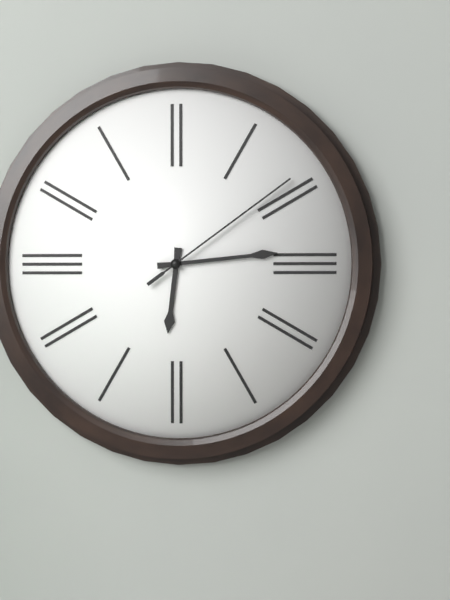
6:14:09
